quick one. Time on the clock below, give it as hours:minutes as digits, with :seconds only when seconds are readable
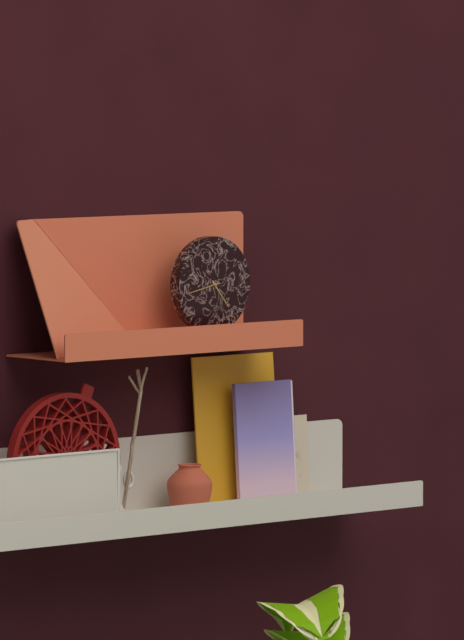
4:43
